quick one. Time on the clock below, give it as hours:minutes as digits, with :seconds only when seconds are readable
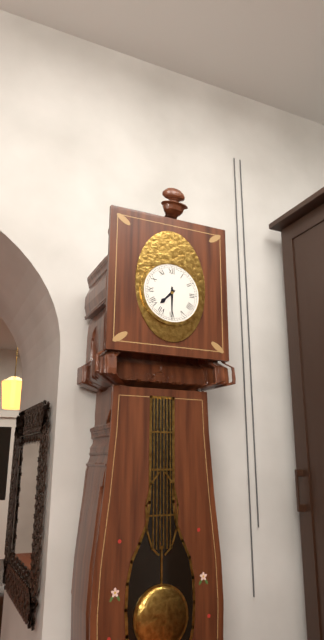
7:30
